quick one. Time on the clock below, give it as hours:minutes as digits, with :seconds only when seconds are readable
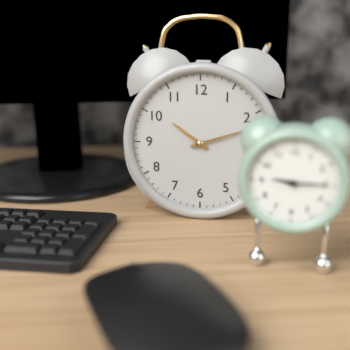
10:12
